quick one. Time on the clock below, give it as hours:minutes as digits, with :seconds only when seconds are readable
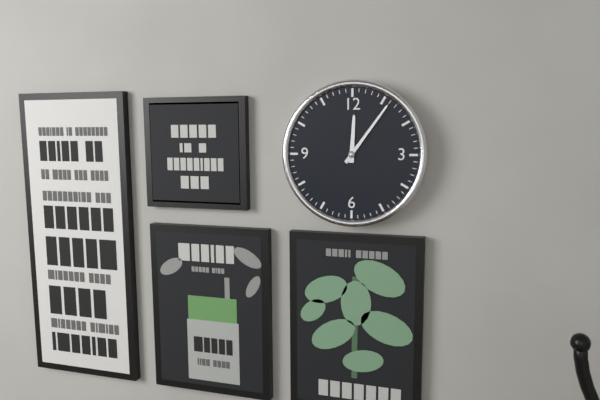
12:06
